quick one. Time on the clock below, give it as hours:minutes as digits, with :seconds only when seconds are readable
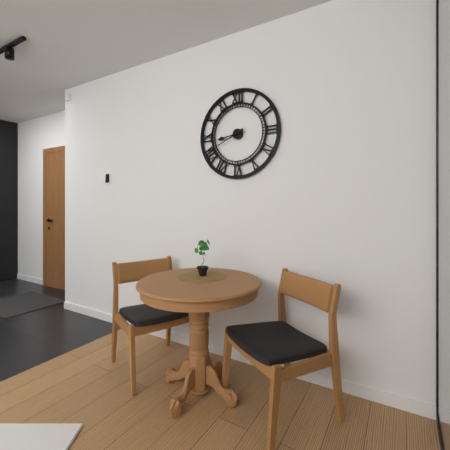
8:41
